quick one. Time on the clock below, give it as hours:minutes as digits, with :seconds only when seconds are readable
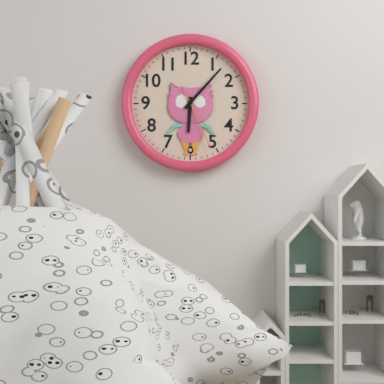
6:07:26
